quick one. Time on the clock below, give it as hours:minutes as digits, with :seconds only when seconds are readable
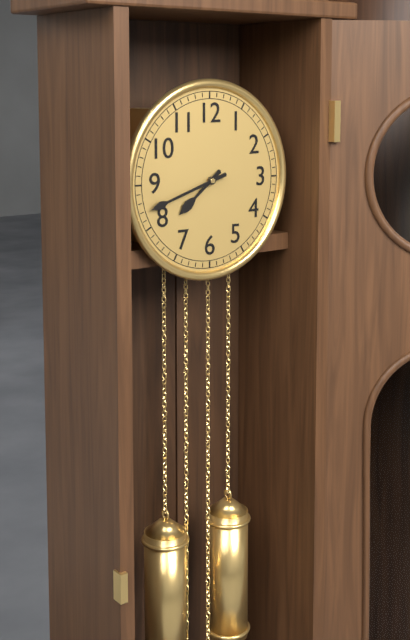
7:42
